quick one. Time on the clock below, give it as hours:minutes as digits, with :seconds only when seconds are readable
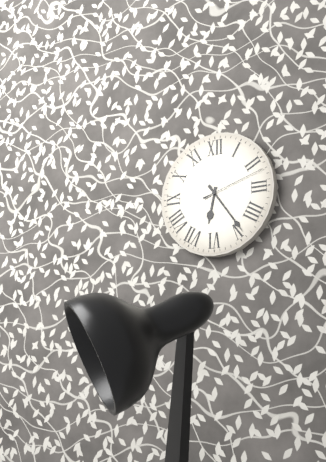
6:24:12
